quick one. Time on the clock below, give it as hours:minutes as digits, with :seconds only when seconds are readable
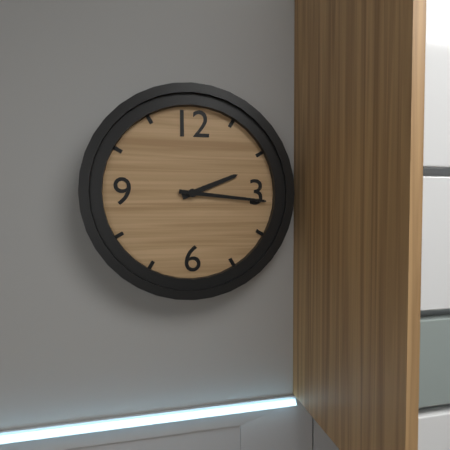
2:16
